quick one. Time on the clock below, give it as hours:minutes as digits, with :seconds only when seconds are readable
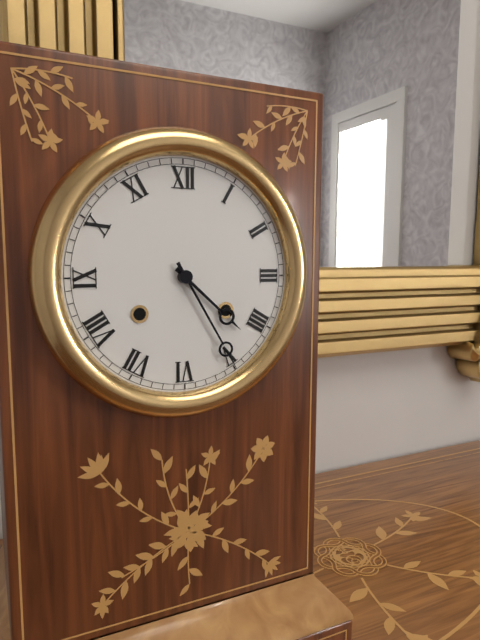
4:25
